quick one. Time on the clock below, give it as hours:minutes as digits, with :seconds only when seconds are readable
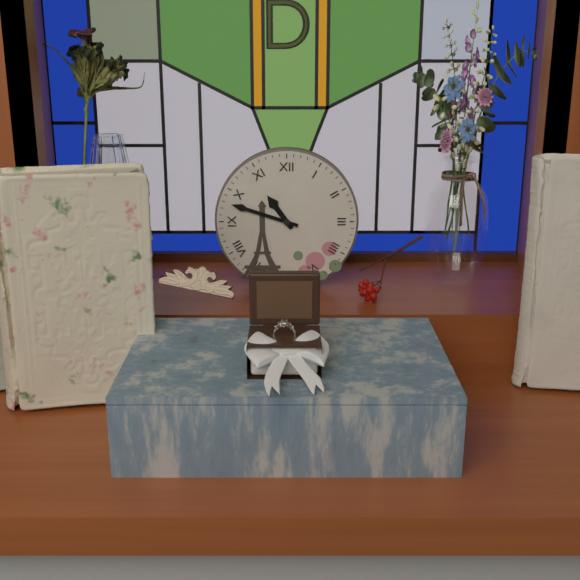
10:48
